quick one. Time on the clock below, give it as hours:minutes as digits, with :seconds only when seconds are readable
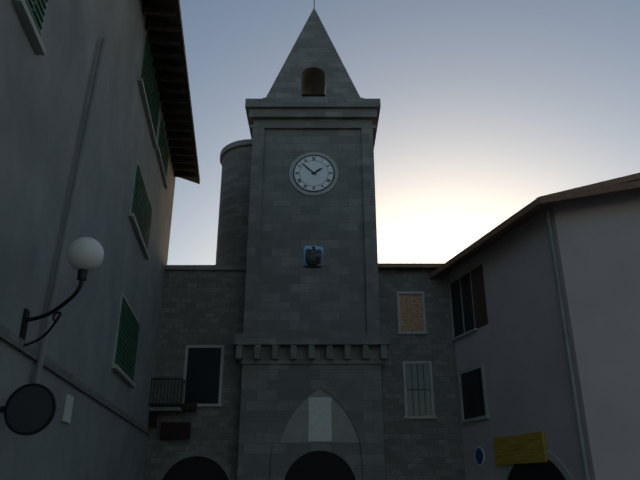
1:52
